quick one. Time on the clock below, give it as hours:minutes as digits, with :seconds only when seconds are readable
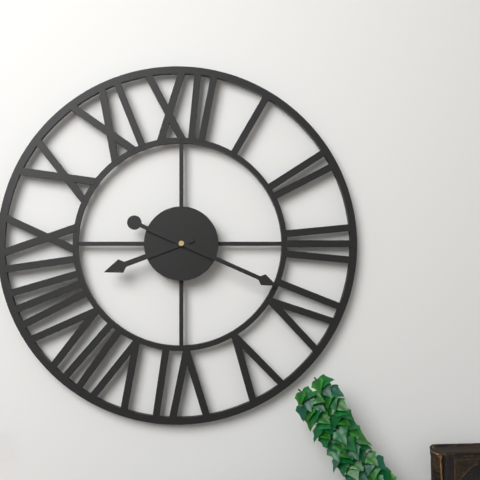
8:19
